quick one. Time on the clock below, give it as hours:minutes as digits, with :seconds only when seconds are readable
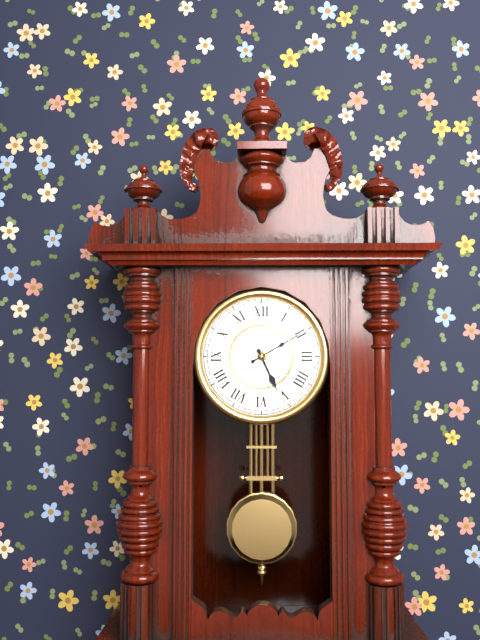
5:10
